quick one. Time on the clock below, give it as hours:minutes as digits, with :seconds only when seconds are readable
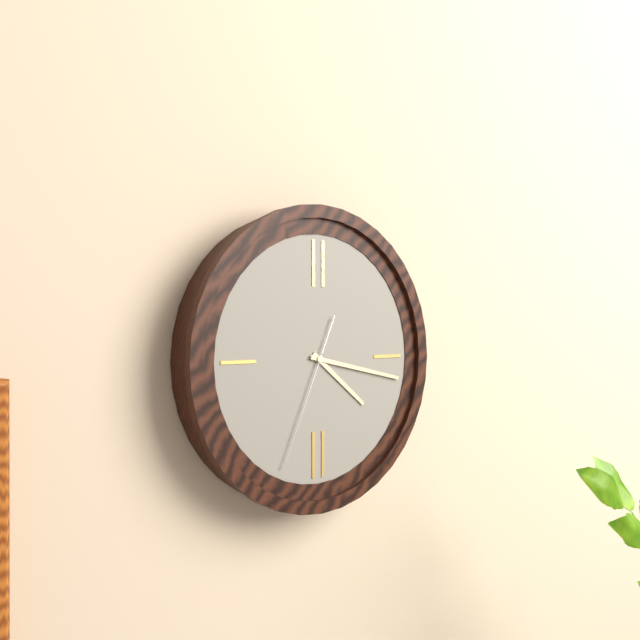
4:17:34
